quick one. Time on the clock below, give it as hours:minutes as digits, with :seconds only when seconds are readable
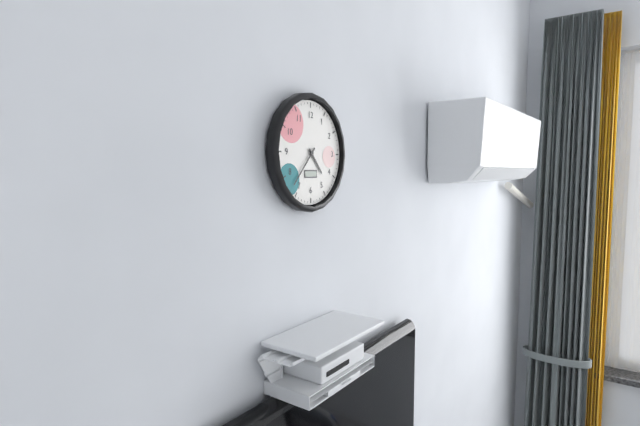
4:37
